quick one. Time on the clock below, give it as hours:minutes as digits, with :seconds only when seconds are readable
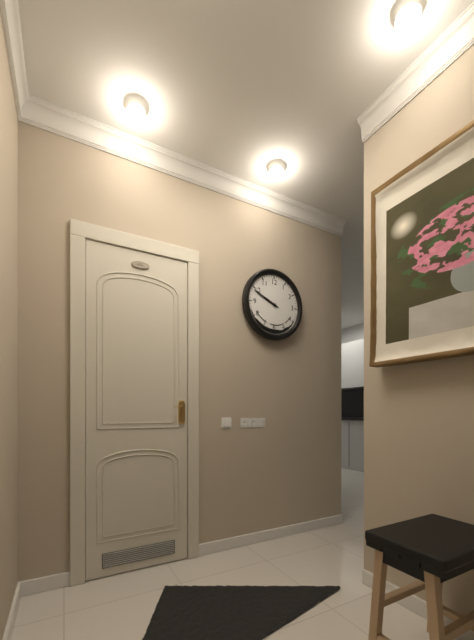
9:49
